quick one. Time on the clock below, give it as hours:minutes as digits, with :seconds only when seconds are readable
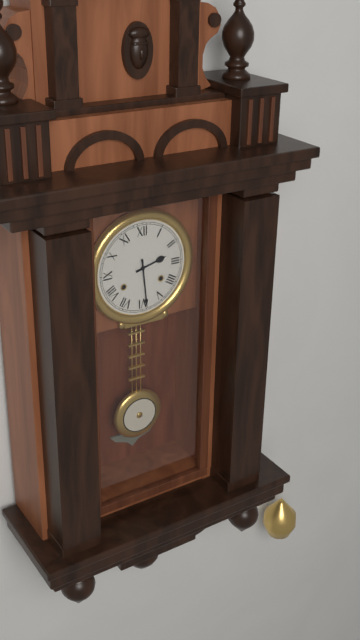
2:29
